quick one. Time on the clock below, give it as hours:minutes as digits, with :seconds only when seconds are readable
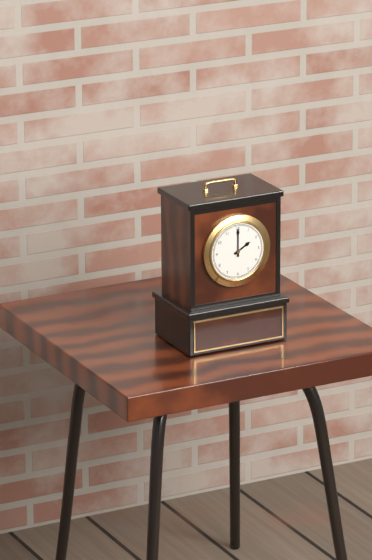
2:00
